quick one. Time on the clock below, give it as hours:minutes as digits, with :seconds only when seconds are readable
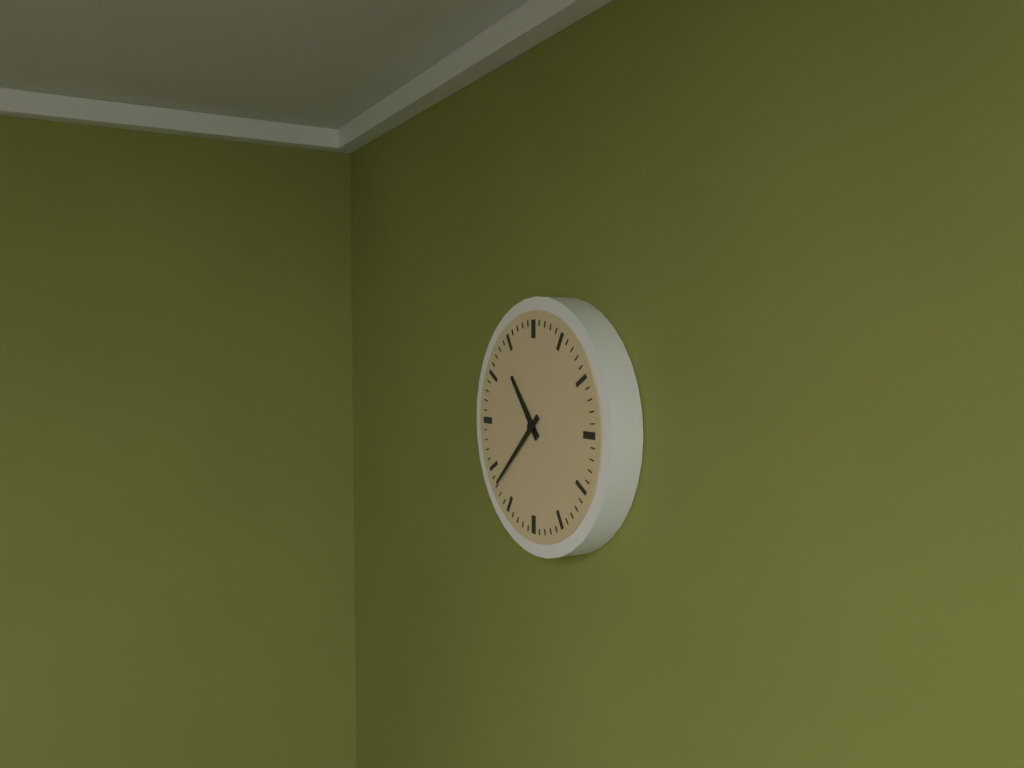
10:38
